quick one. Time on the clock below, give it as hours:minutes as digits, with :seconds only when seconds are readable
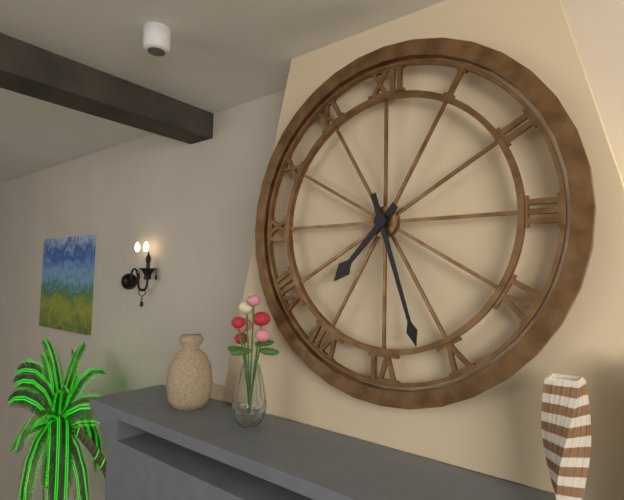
7:27
